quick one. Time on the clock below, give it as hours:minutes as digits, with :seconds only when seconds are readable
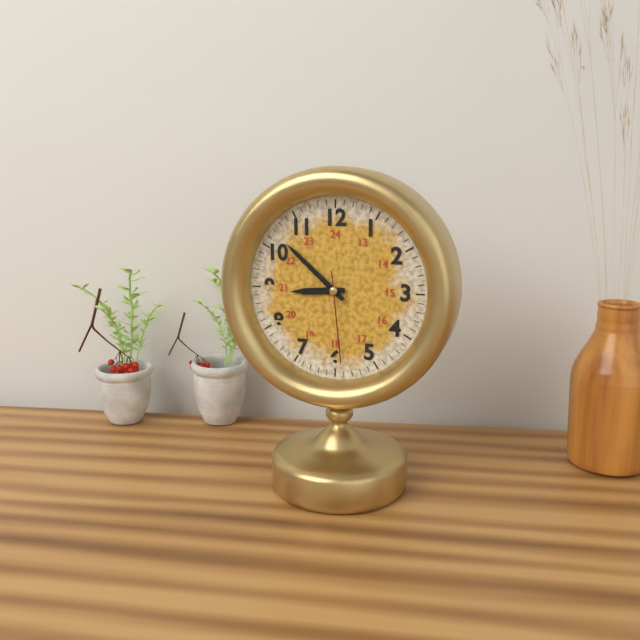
8:52:29
